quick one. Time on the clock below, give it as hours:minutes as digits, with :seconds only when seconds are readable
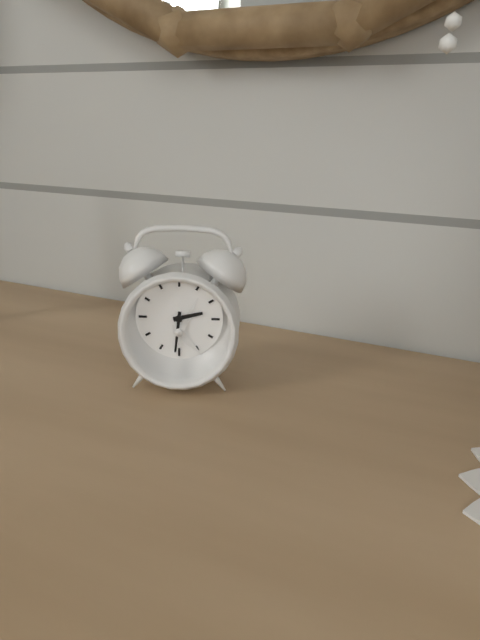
2:31
